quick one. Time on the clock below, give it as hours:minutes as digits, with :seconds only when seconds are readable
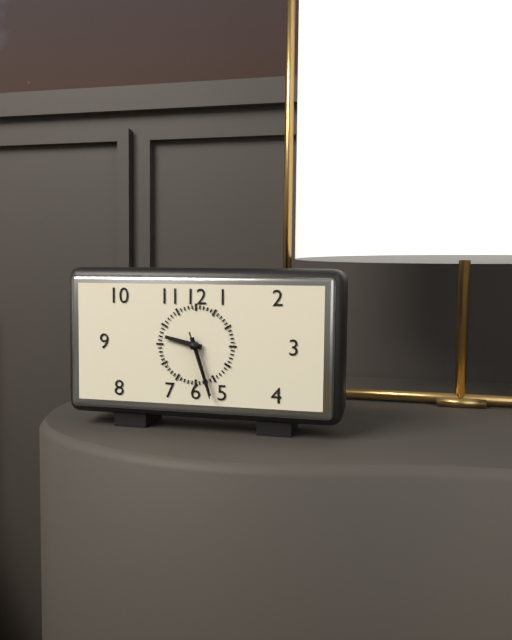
9:27:27
